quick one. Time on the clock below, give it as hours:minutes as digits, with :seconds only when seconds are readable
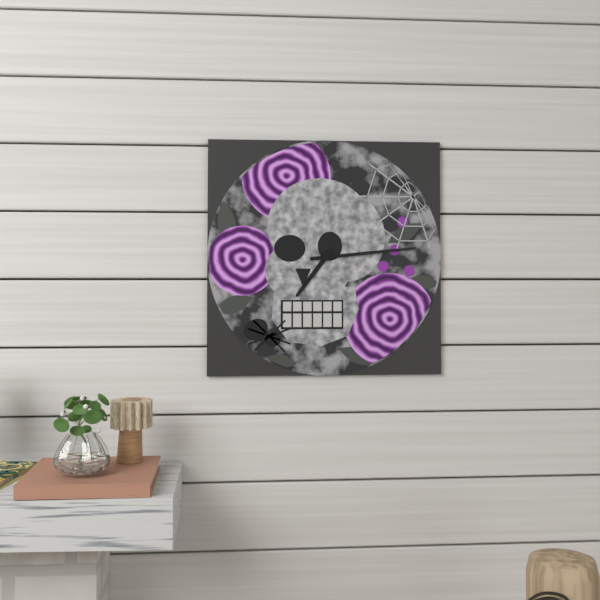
7:14
